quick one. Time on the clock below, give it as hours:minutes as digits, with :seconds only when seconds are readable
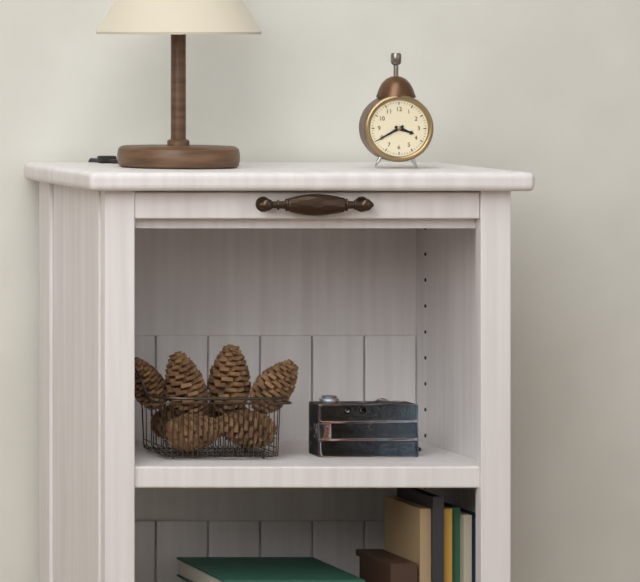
3:40
